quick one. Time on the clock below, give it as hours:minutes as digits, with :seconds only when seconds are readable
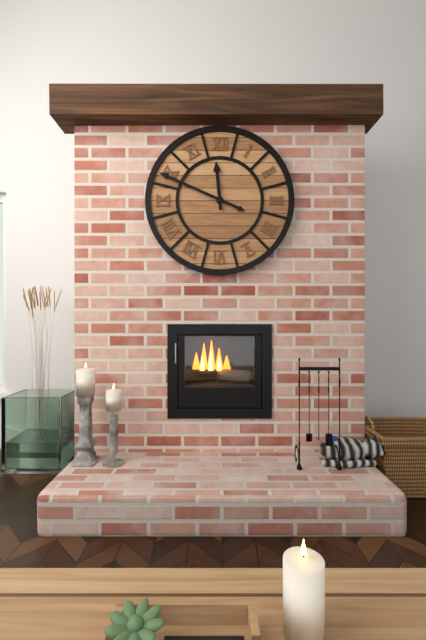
11:49
